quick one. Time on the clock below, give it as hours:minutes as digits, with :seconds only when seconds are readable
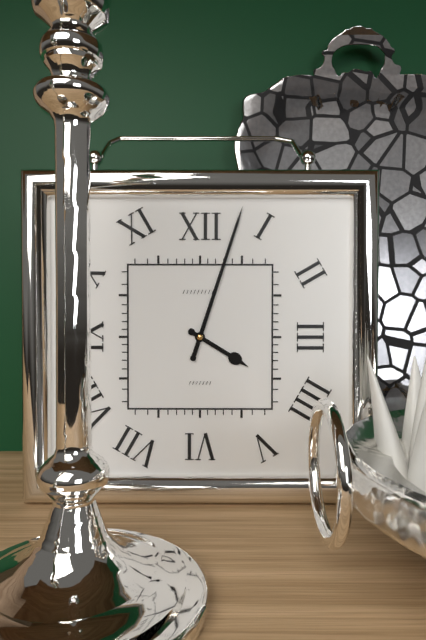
4:03
